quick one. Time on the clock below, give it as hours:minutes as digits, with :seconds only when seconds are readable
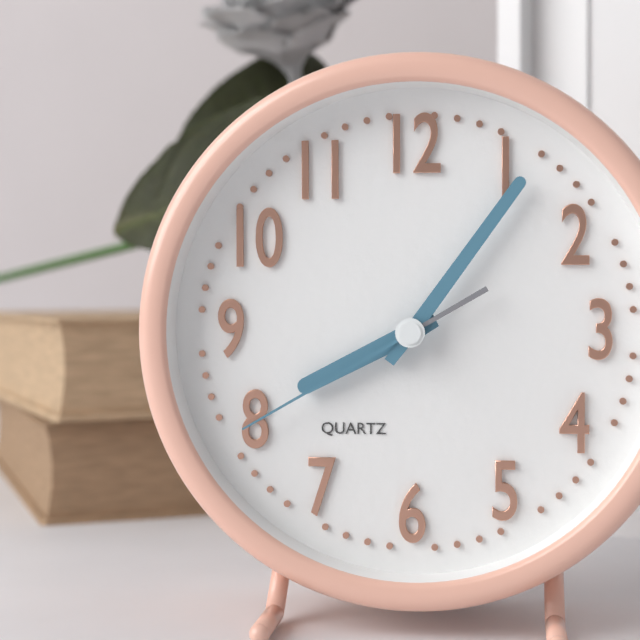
8:06:40
